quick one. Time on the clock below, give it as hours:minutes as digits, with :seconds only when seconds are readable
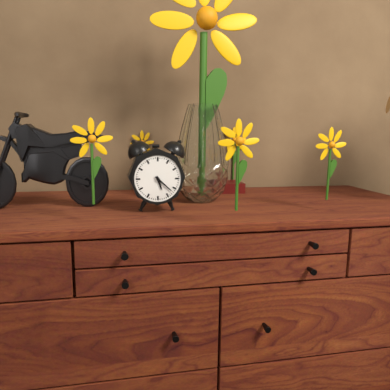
5:22
